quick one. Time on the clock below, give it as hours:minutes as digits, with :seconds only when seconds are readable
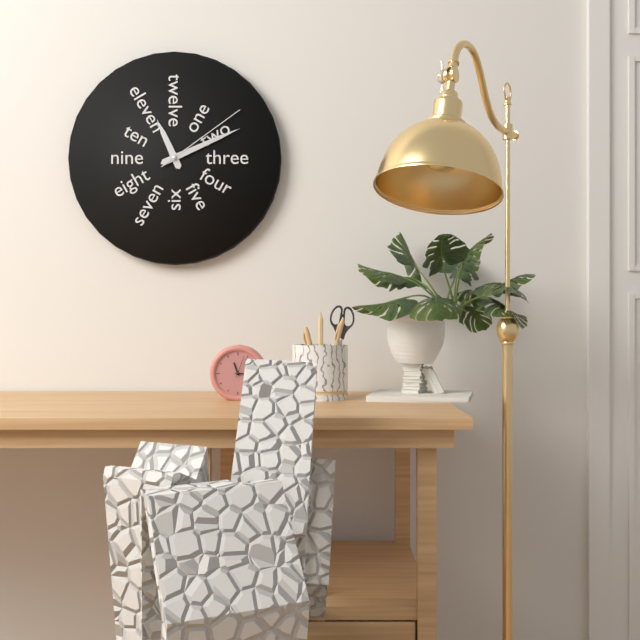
11:11:09
